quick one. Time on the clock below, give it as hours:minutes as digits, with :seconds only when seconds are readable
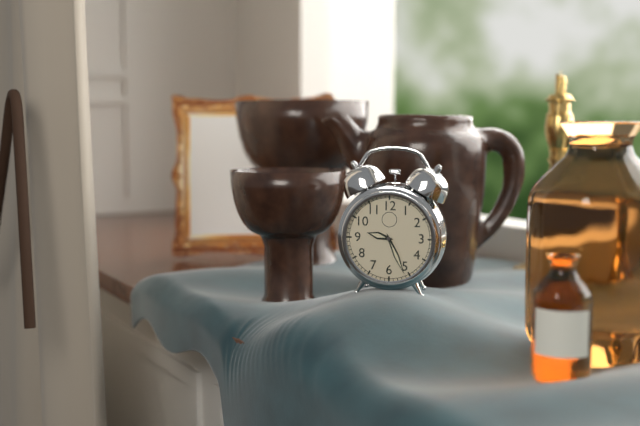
9:26
